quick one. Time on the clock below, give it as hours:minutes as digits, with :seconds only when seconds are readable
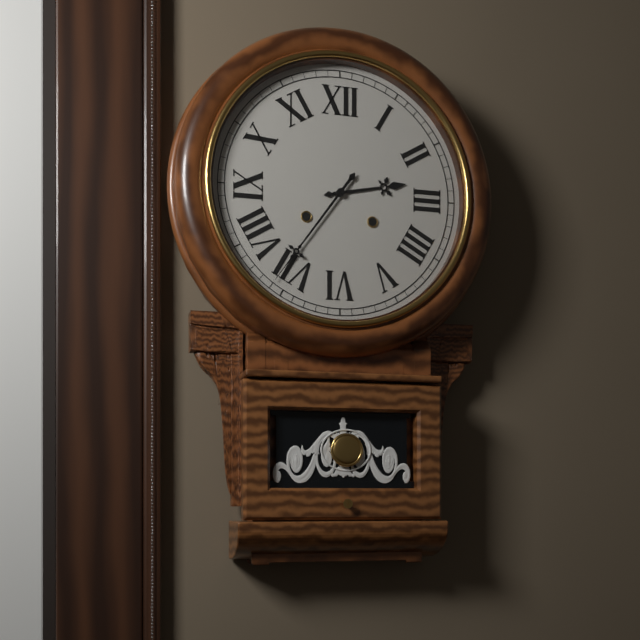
2:36
